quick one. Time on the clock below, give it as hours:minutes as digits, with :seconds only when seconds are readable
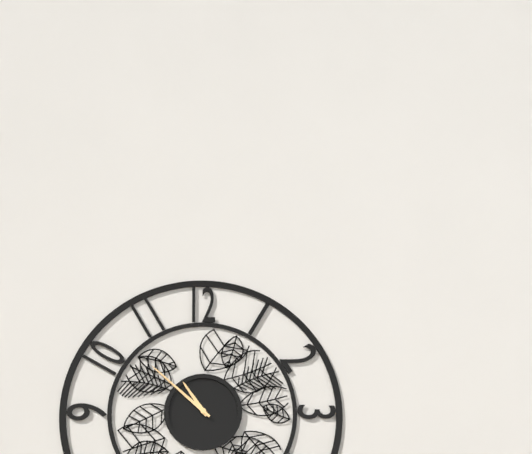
10:52
